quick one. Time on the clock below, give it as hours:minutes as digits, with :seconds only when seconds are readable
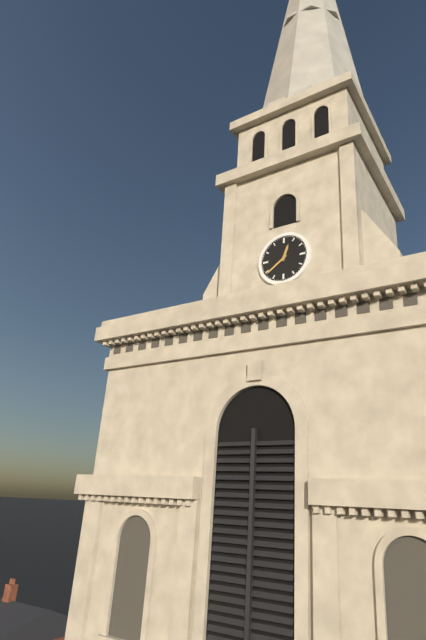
12:39
